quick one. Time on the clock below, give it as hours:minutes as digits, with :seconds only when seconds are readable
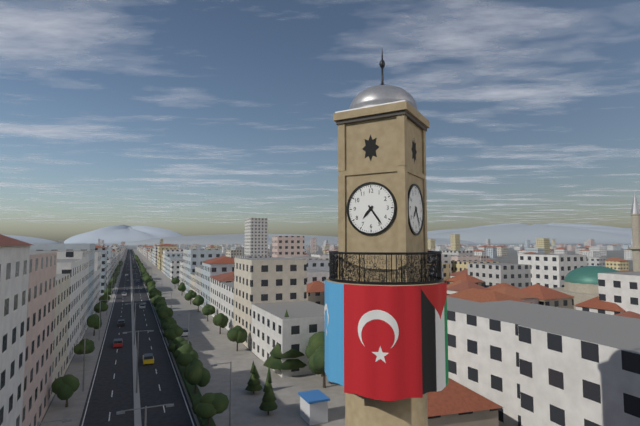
7:24
